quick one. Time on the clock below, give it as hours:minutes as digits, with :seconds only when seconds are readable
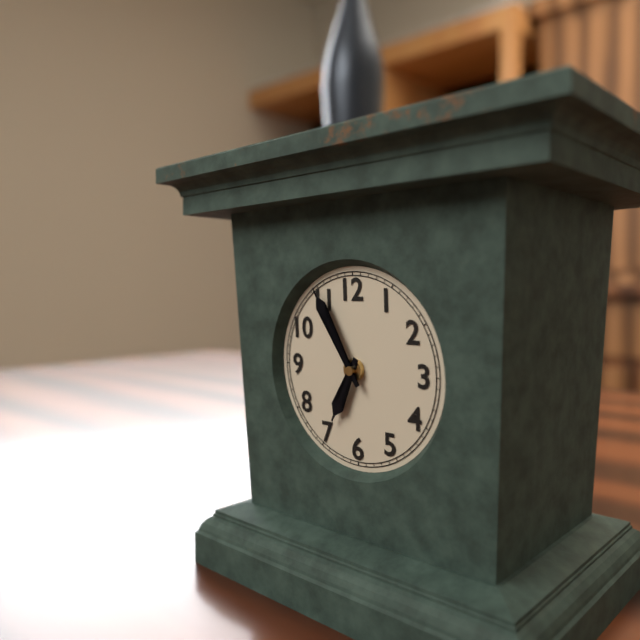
6:55
